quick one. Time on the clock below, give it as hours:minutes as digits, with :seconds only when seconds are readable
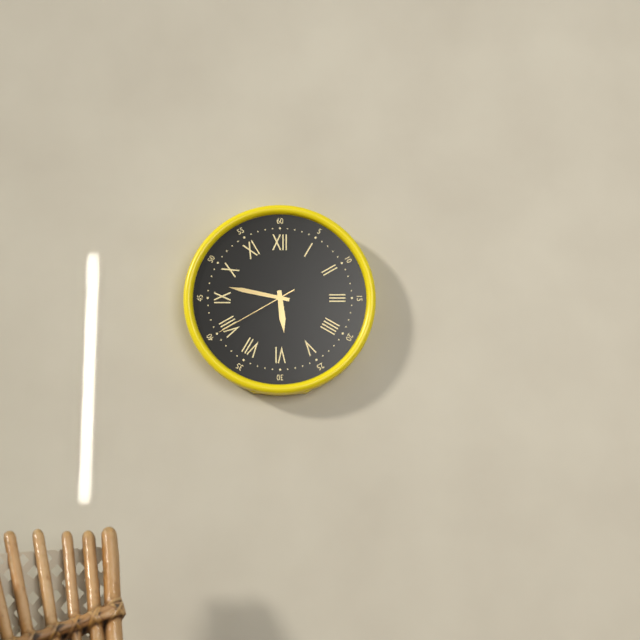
5:47:40
